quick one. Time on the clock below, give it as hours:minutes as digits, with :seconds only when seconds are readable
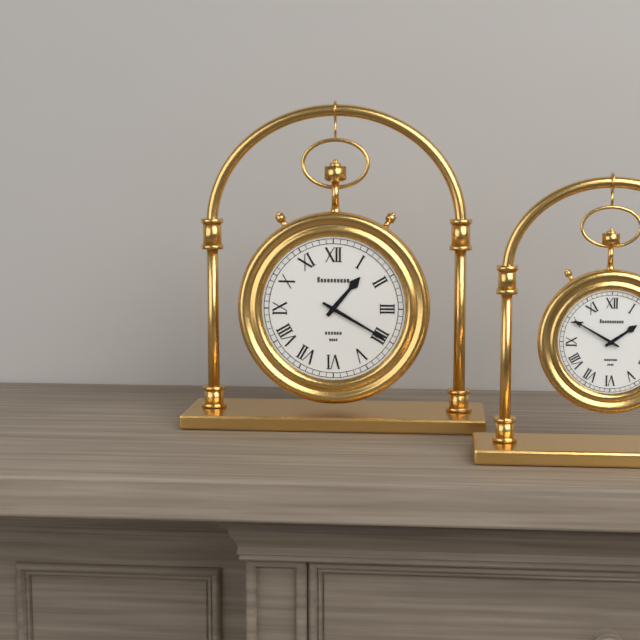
1:20
